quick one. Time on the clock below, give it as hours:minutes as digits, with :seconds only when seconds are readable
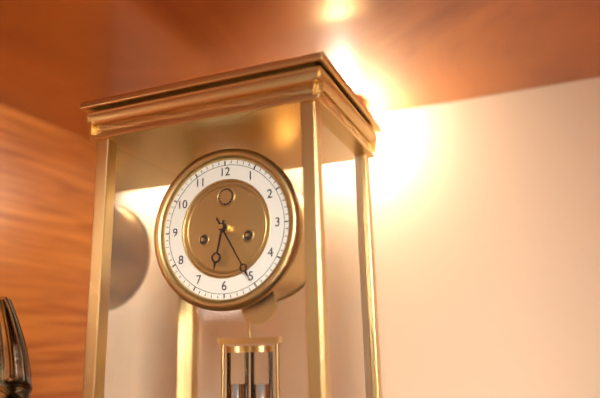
6:25
